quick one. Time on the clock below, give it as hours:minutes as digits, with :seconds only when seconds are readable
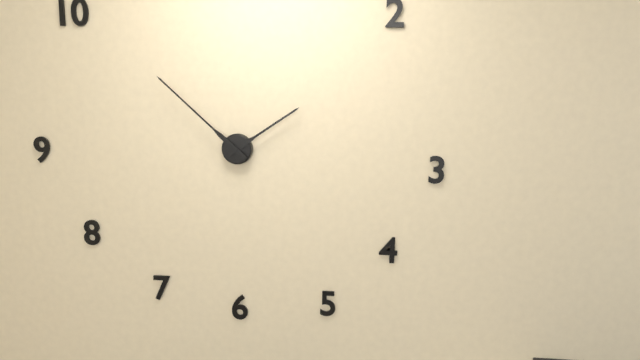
1:52
